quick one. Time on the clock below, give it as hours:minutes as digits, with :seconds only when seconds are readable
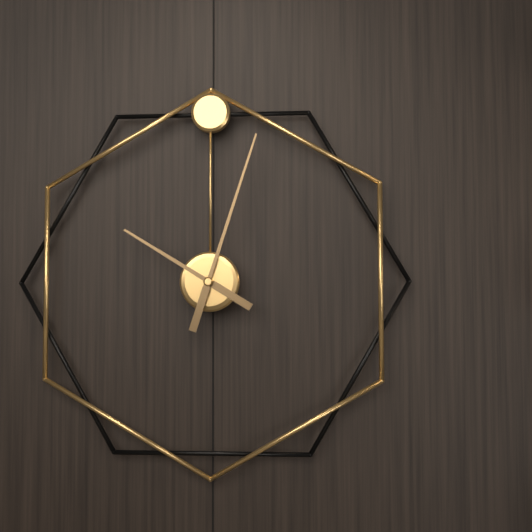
10:03
